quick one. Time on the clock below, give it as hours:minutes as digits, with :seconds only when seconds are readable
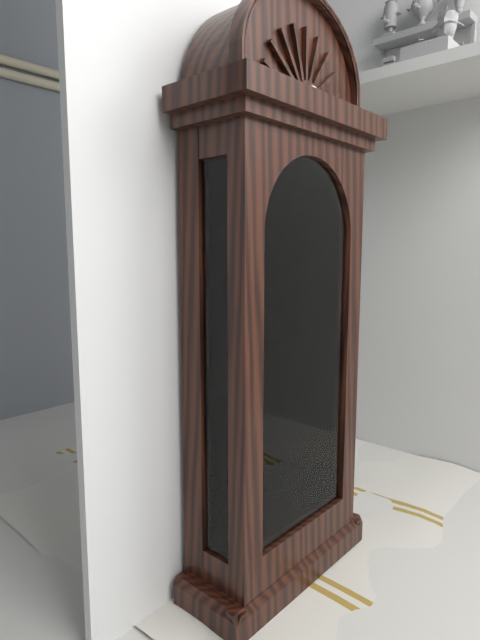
11:34
